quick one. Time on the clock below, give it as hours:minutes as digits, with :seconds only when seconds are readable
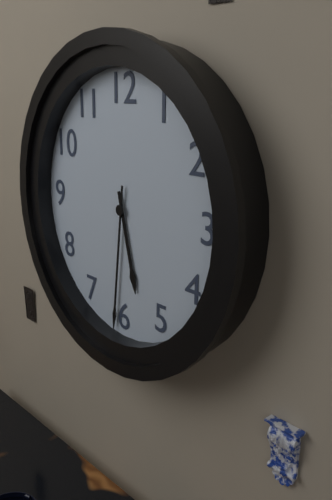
5:31
